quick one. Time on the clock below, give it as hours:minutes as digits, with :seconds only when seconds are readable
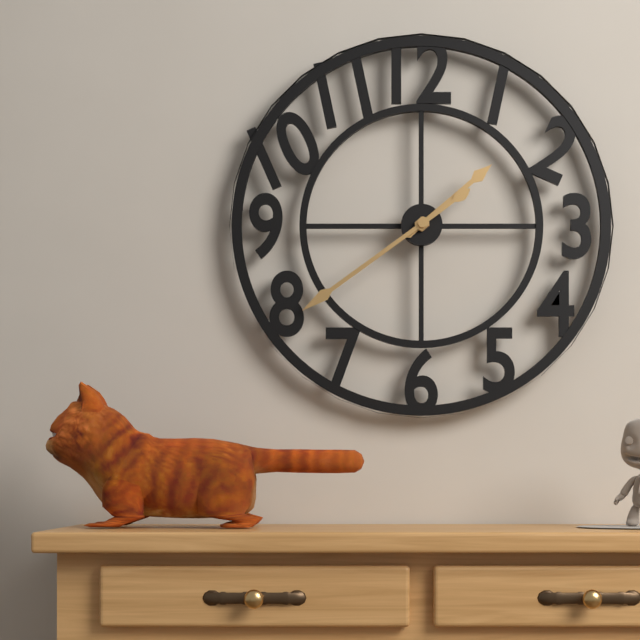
1:39
